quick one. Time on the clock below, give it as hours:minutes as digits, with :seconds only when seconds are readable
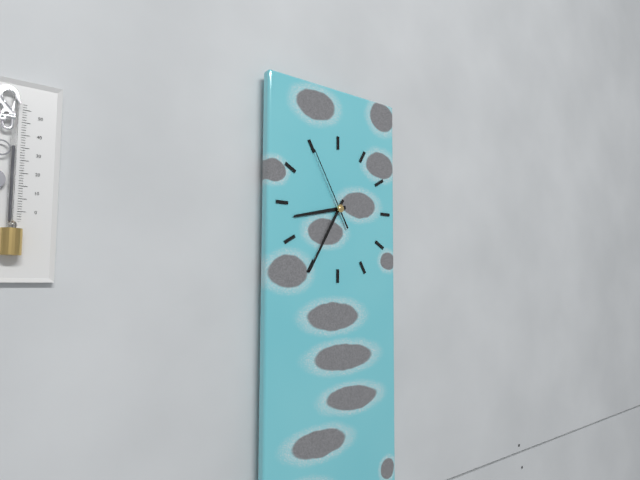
8:35:55
